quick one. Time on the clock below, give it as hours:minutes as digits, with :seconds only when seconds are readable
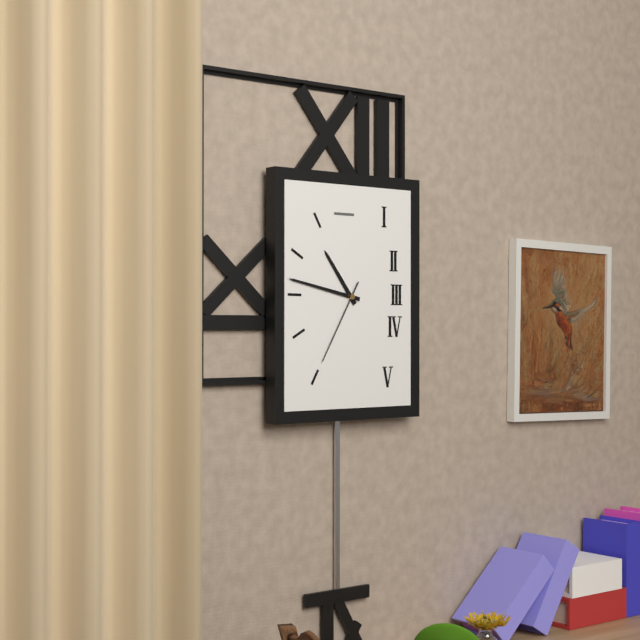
10:47:35
